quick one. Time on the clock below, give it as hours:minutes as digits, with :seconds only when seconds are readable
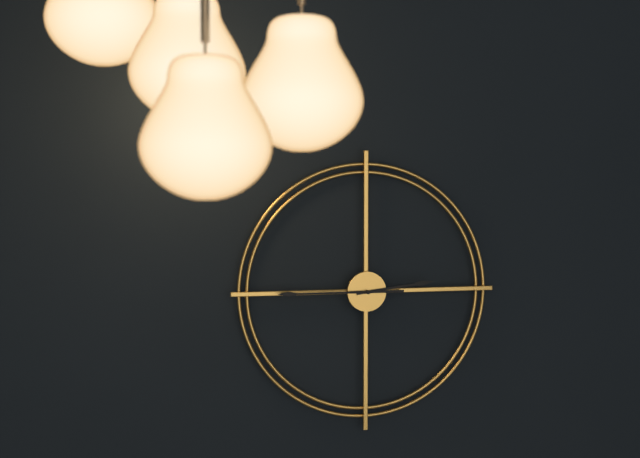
2:45
